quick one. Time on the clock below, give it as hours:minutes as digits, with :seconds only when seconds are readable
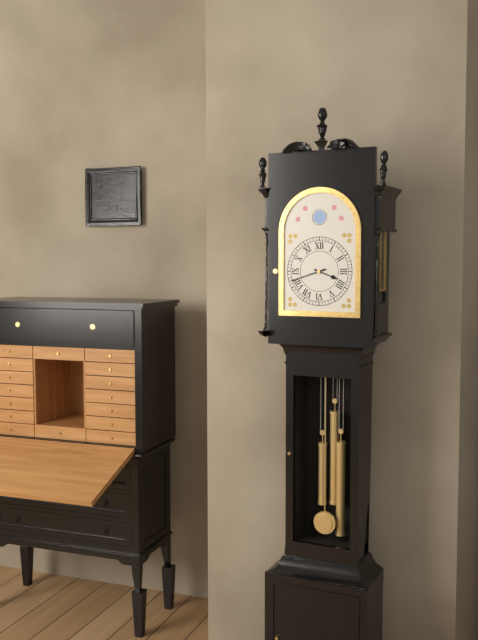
3:42
